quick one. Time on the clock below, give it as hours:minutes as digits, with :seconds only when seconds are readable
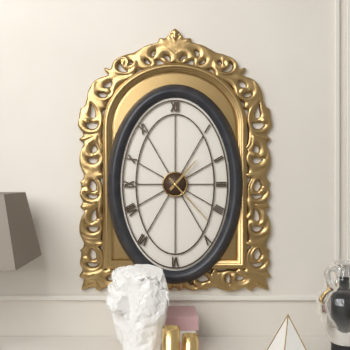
1:23
